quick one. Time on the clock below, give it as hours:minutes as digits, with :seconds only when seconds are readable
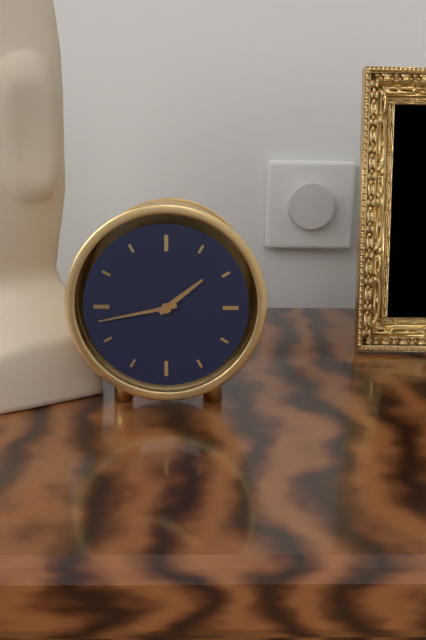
1:43
